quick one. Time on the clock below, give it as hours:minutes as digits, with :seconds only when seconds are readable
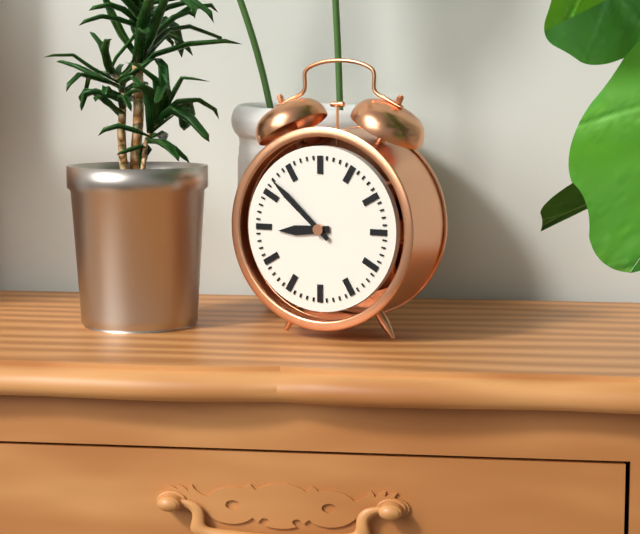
8:52
